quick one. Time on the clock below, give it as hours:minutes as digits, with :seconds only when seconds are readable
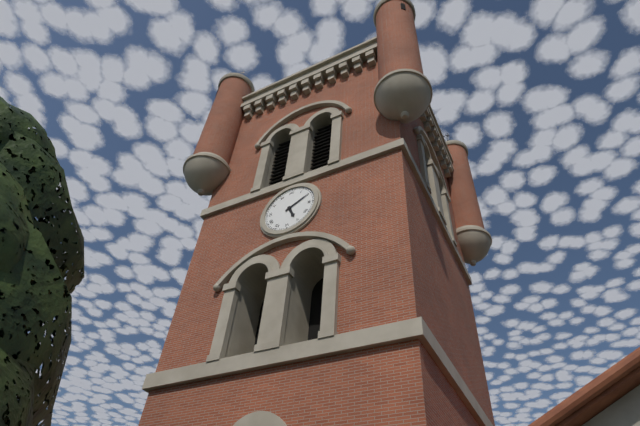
5:10
